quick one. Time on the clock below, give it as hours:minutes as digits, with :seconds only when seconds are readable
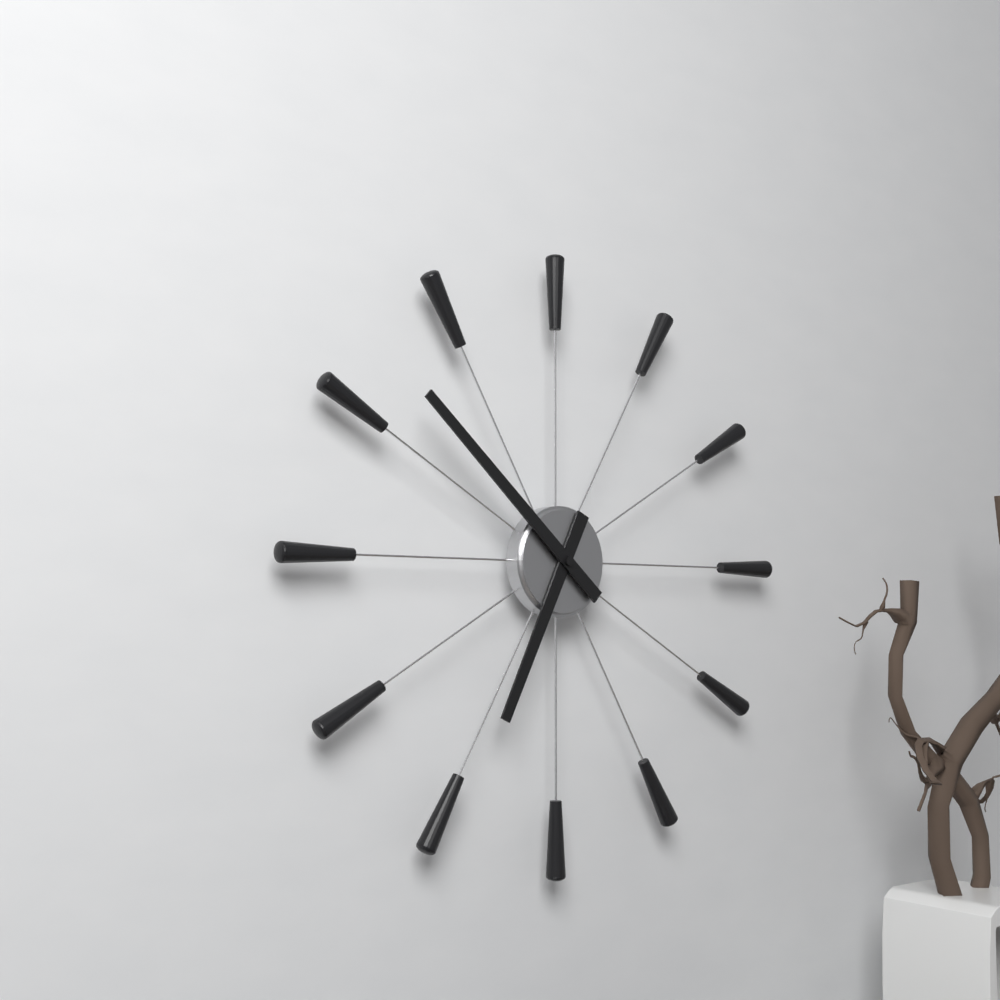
6:52
